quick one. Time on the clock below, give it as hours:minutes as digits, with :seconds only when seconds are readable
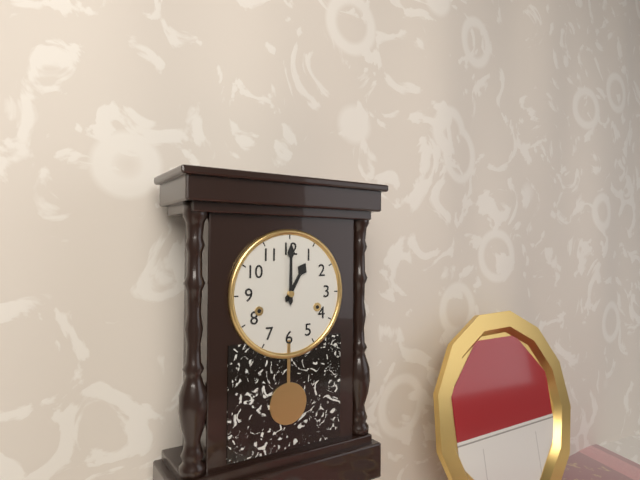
1:00
